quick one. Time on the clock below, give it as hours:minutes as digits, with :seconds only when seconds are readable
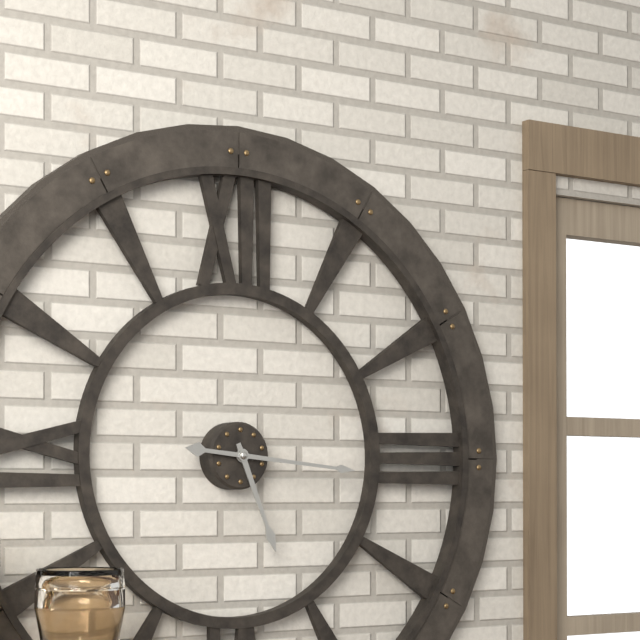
5:16
